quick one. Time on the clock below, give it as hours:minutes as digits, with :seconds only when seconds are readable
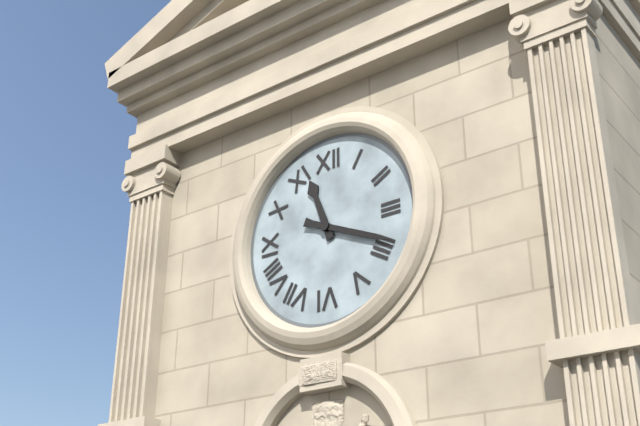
11:19
